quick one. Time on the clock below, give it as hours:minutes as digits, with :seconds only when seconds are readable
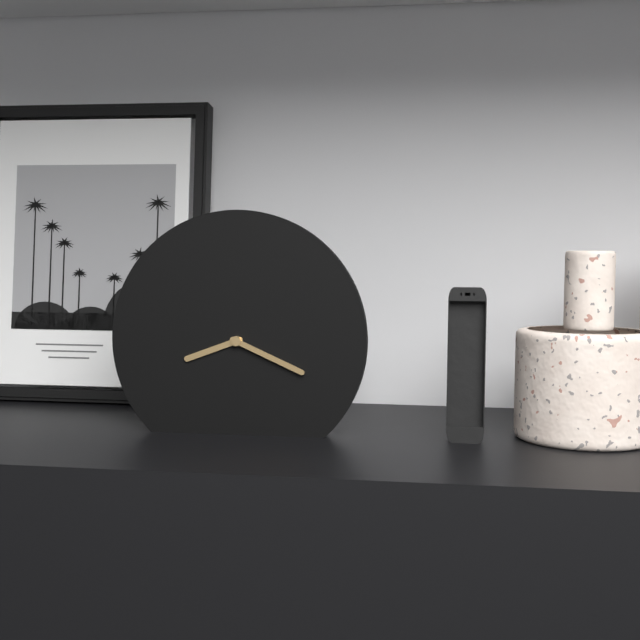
8:19
